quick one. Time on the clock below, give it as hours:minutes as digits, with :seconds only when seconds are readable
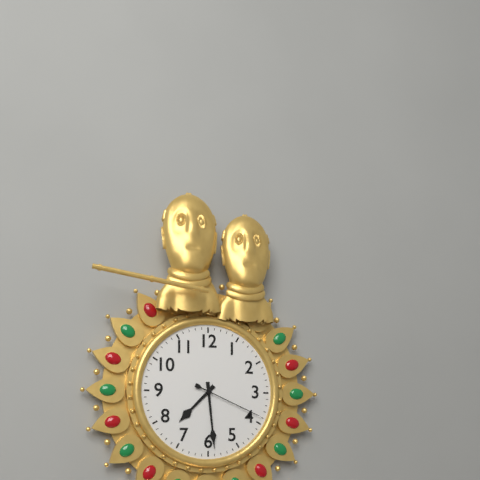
7:29:19
